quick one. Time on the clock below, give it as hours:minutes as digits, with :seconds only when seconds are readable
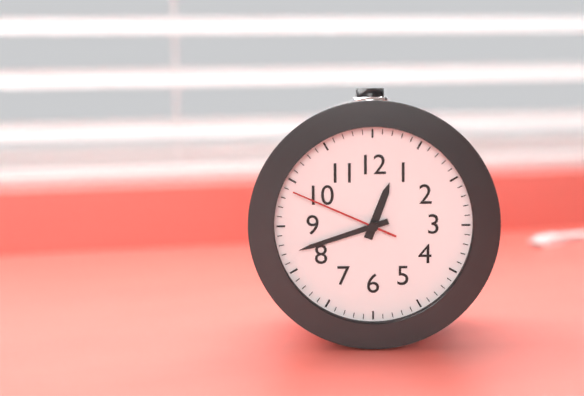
12:42:49
